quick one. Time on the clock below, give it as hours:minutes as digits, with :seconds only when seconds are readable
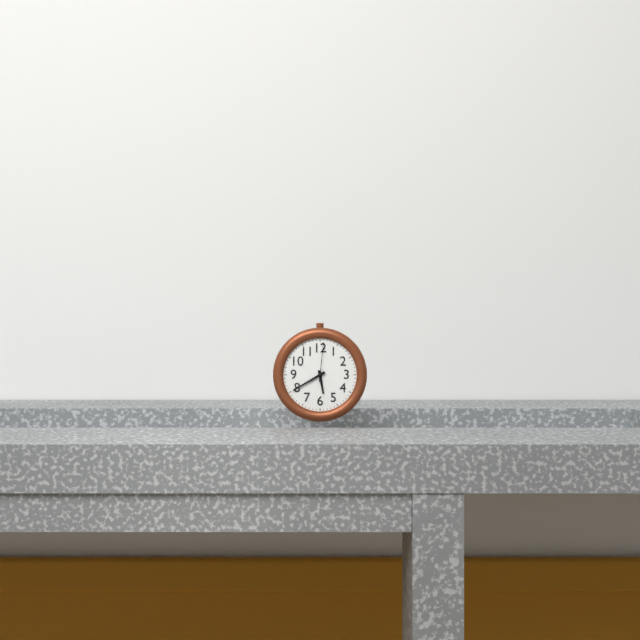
5:40
